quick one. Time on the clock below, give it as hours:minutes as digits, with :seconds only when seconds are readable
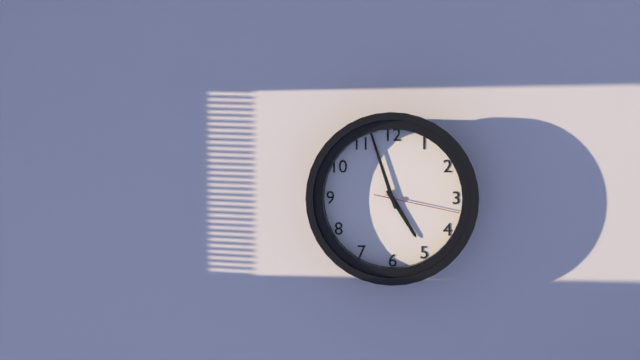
4:57:17
